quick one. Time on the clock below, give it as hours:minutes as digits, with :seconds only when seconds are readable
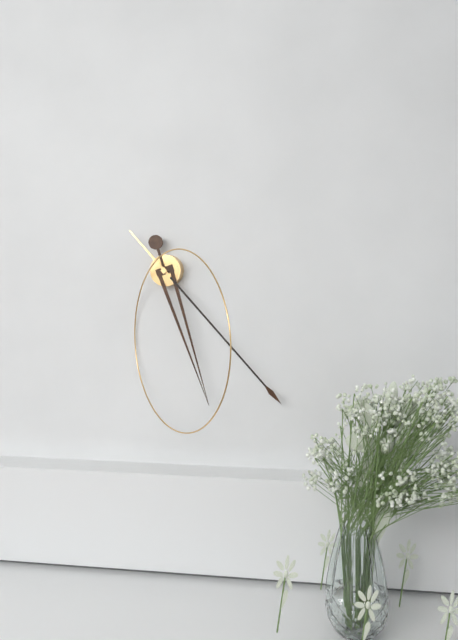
5:23
